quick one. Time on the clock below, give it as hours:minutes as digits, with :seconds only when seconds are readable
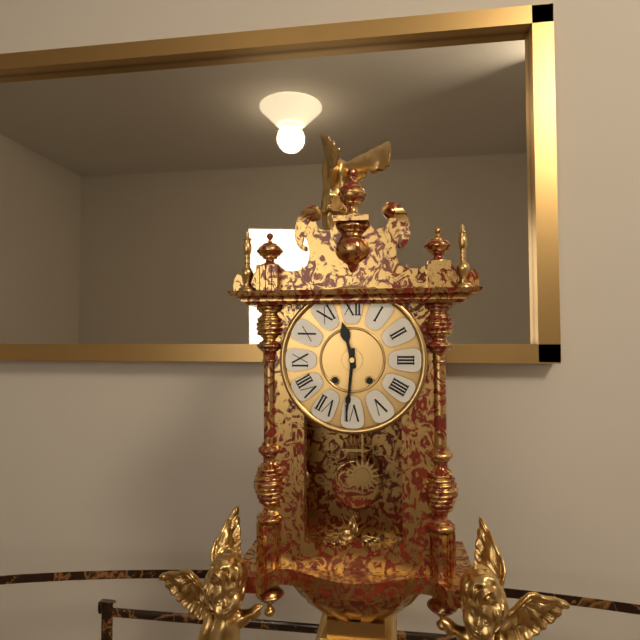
11:31
